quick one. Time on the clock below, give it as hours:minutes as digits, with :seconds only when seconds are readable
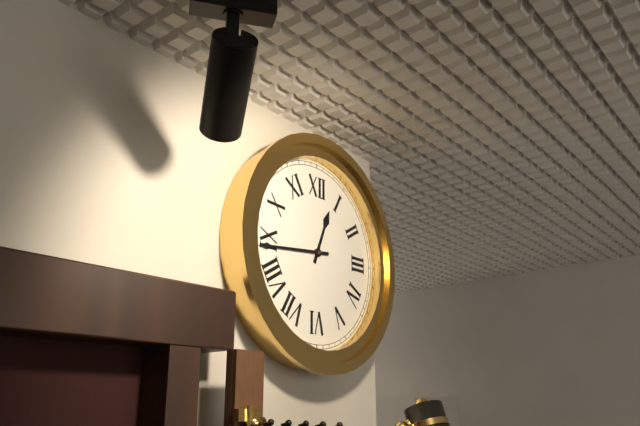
12:44
